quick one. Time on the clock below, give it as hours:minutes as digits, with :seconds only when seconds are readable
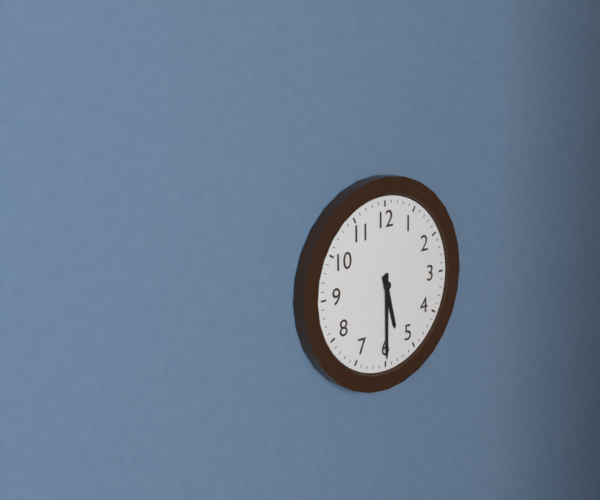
5:30
